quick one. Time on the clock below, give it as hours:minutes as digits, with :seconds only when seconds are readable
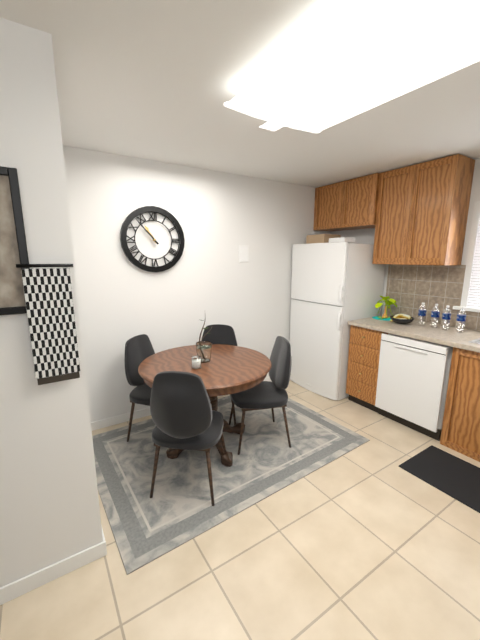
10:53
